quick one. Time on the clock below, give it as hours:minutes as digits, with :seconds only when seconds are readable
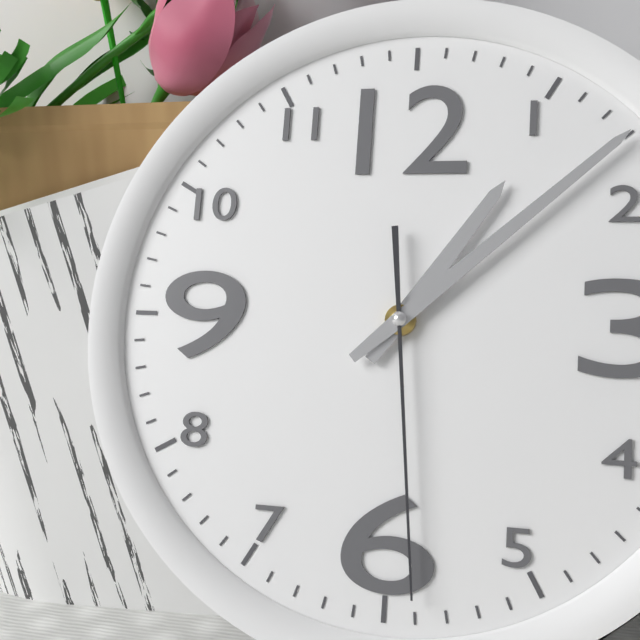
1:08:29
